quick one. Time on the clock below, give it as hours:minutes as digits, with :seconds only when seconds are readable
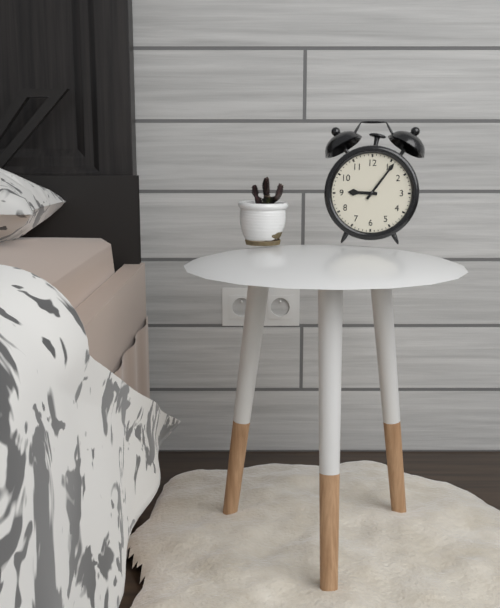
9:06
